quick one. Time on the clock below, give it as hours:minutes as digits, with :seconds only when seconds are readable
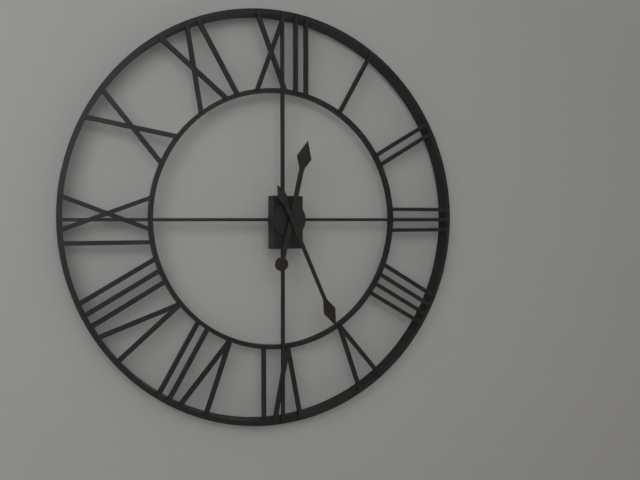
12:26
